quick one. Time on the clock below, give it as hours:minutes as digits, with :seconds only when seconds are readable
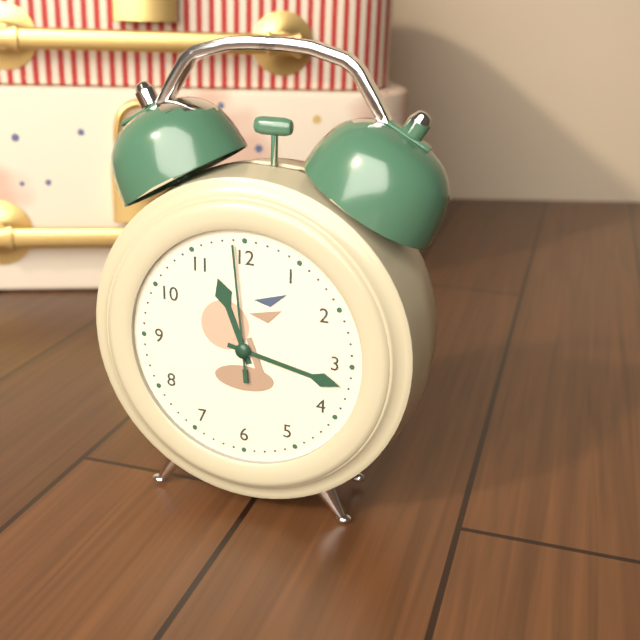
11:17:59
